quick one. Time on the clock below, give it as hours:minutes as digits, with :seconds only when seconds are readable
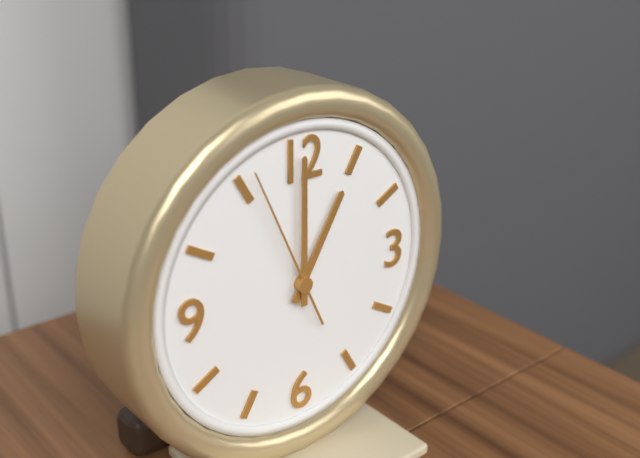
1:00:56
